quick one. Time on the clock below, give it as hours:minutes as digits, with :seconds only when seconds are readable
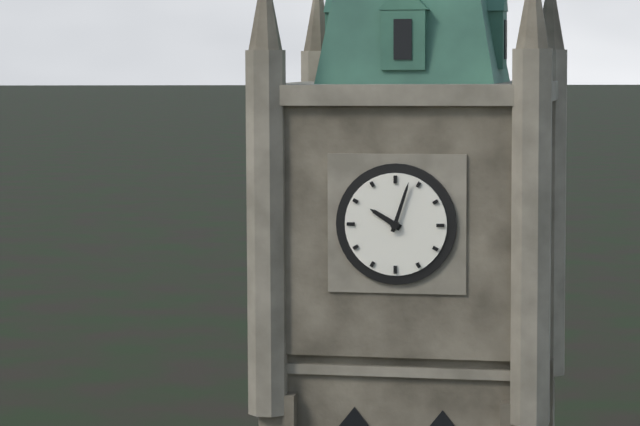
10:03
